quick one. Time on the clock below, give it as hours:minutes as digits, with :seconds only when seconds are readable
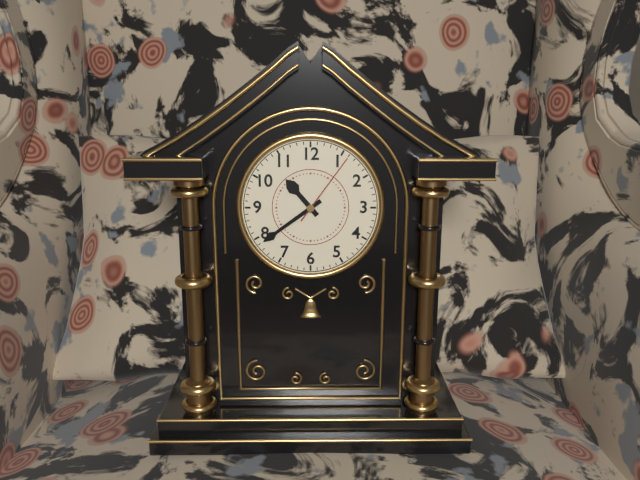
10:39:06
